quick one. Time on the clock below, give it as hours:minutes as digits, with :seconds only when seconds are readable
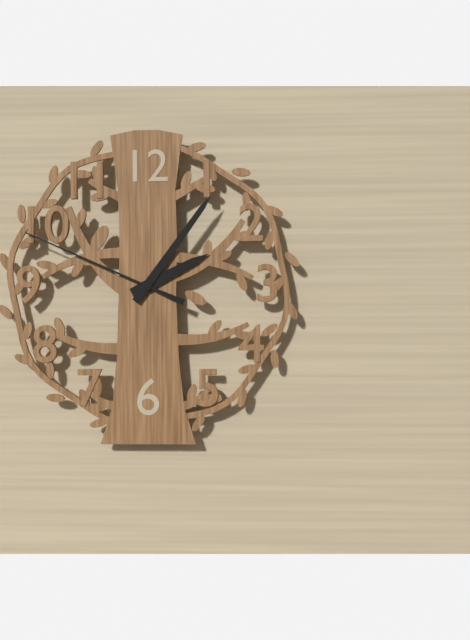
2:06:49
